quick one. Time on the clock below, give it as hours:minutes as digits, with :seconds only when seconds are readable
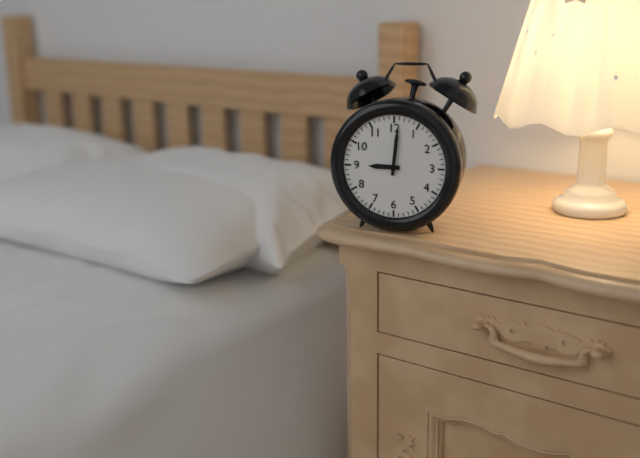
9:01
